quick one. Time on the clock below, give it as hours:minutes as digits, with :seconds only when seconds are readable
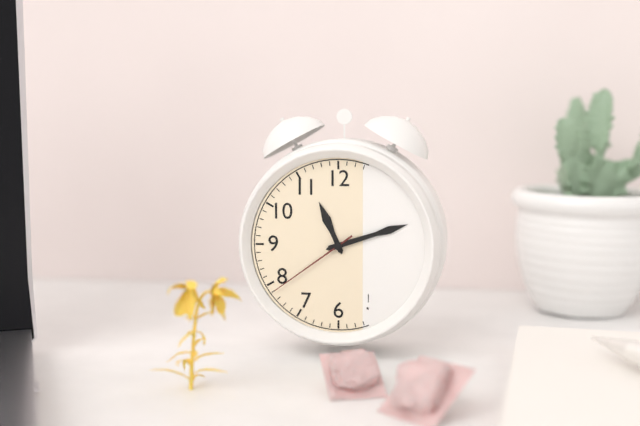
11:12:39
